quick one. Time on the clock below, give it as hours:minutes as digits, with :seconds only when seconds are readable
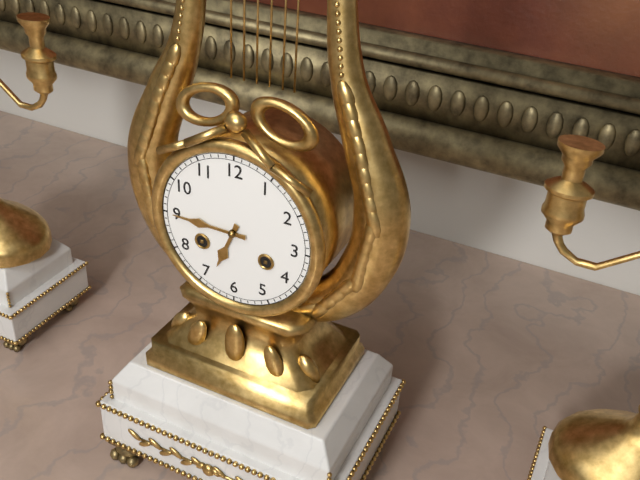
6:45
